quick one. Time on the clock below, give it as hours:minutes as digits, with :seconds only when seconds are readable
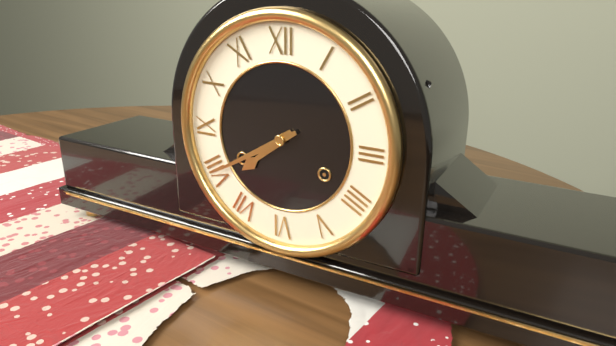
7:40
